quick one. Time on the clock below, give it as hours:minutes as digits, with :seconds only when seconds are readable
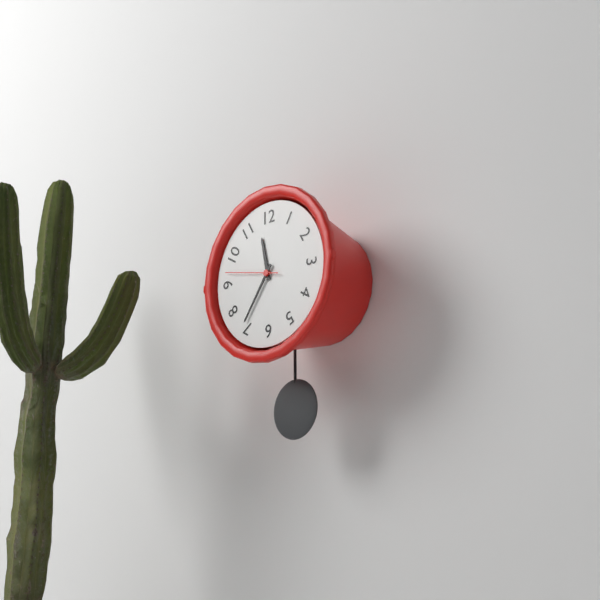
11:36:47
